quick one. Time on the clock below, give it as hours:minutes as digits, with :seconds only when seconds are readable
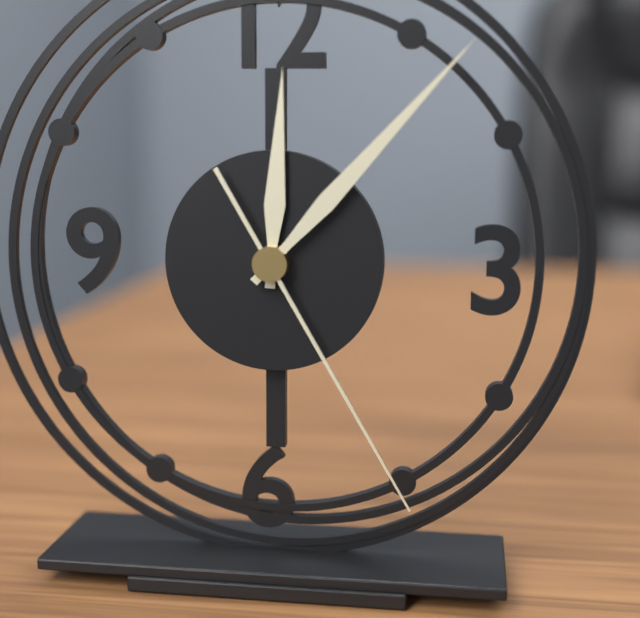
12:07:25
